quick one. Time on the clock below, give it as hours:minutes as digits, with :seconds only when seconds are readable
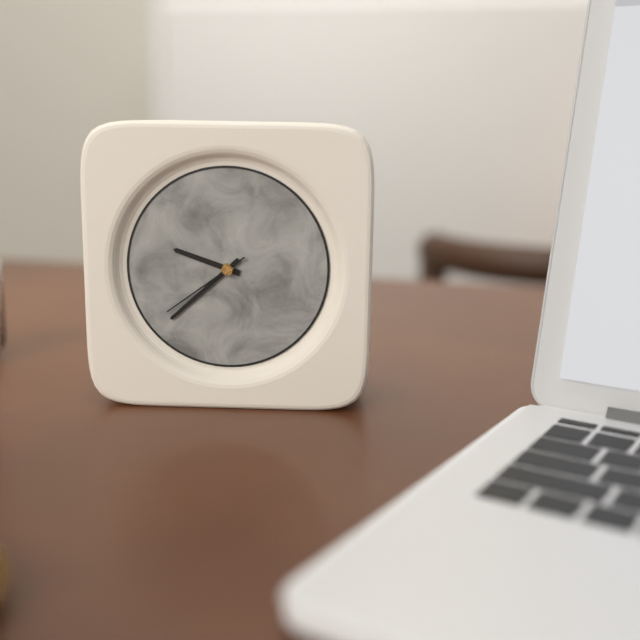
9:38:39
